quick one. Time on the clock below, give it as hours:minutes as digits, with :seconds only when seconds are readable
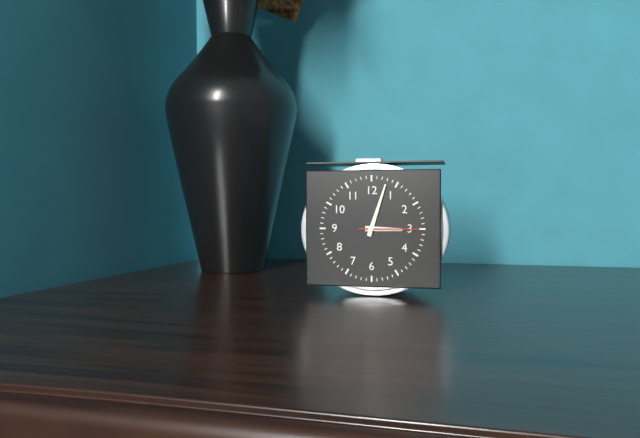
3:03:15
